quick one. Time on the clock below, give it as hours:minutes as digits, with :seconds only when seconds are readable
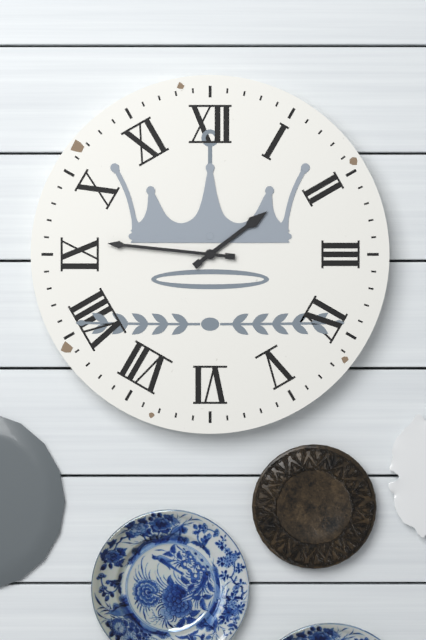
1:46
